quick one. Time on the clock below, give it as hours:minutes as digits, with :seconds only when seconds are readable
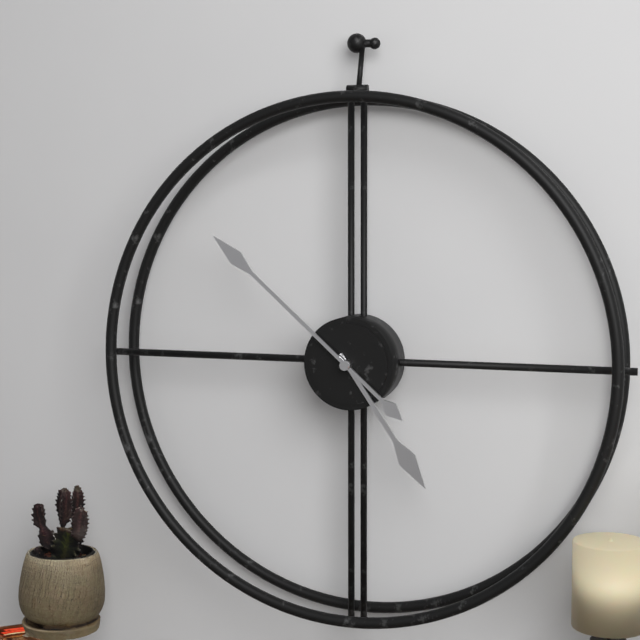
4:52
